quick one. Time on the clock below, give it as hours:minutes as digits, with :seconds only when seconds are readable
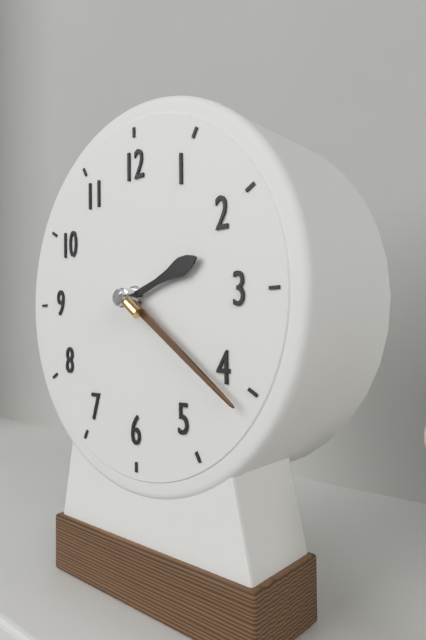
2:21
